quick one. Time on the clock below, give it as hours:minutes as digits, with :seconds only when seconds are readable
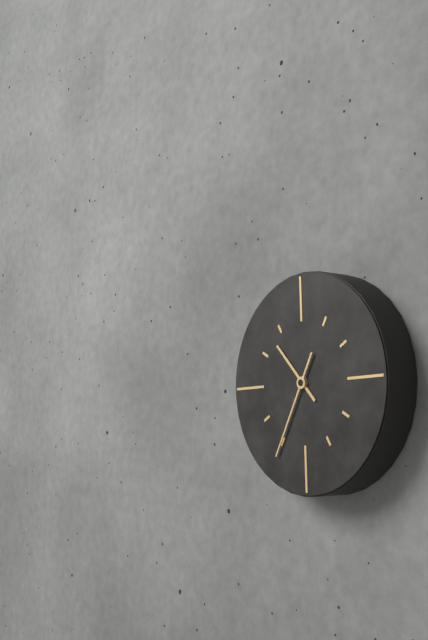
10:35
